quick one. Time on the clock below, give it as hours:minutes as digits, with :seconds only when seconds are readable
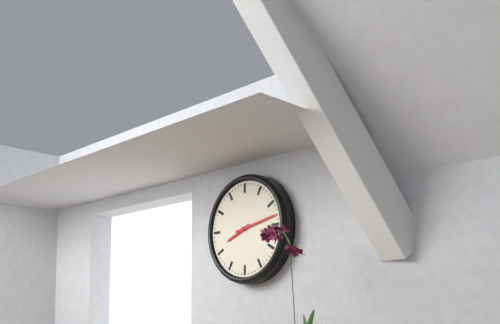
8:13
